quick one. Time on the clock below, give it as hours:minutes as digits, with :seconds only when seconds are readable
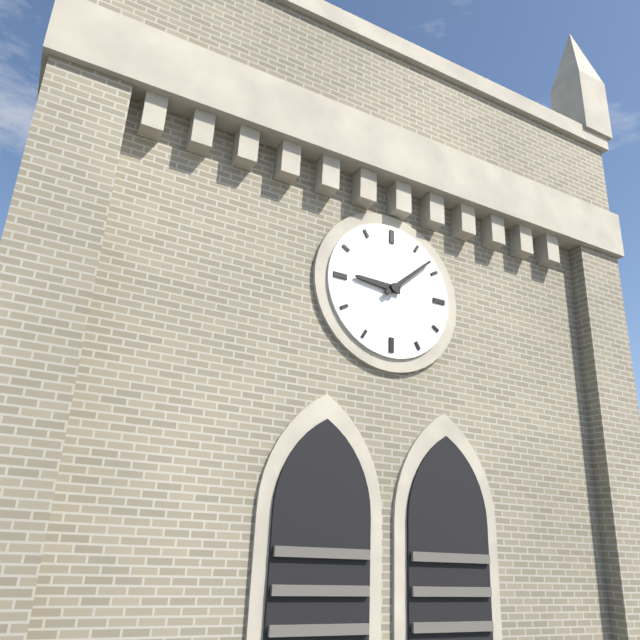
9:08
